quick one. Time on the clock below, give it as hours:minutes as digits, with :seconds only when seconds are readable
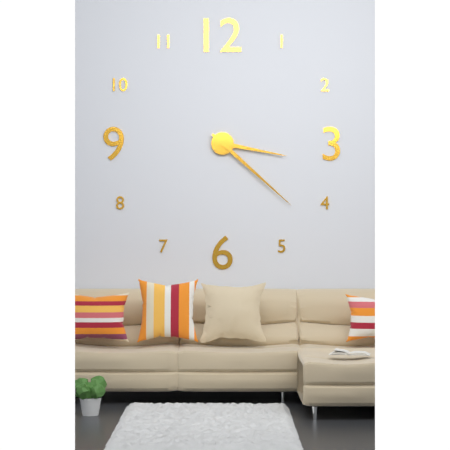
3:22
